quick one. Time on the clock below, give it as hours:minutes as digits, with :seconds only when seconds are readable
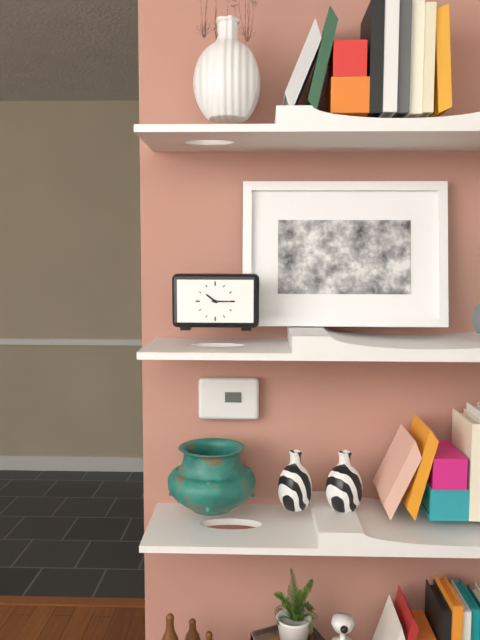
10:15
